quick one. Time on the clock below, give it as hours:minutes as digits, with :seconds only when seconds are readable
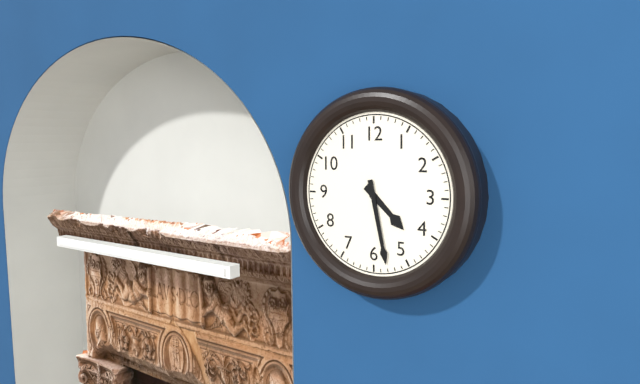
4:28
